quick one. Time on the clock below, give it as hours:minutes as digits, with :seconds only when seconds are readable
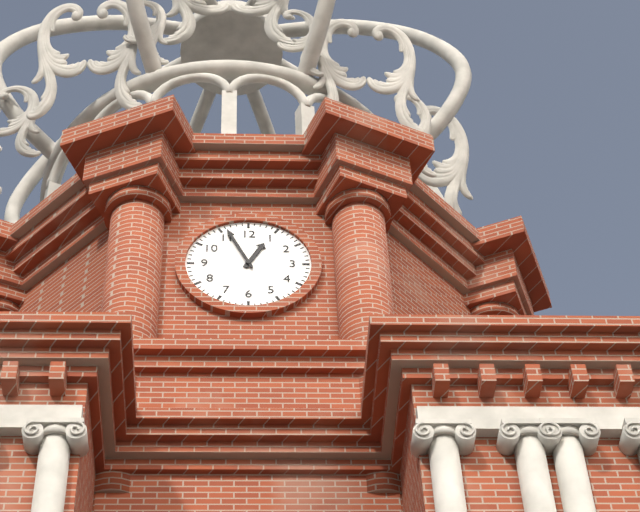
12:56
